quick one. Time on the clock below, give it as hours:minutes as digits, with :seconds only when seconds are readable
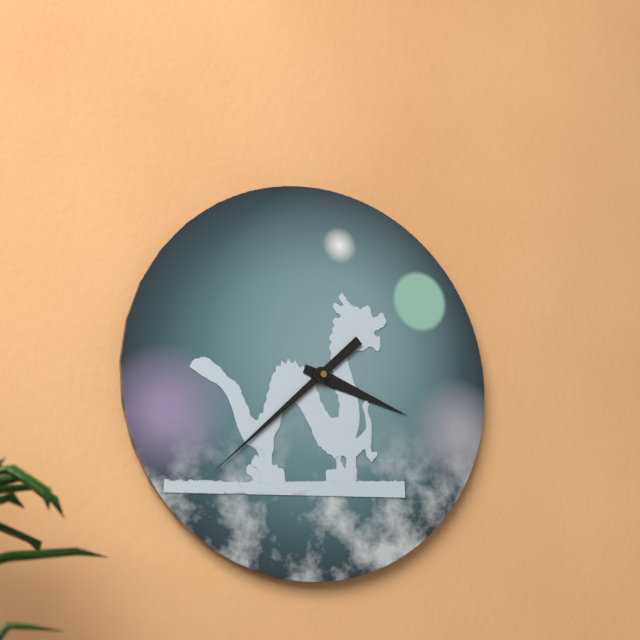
3:38
